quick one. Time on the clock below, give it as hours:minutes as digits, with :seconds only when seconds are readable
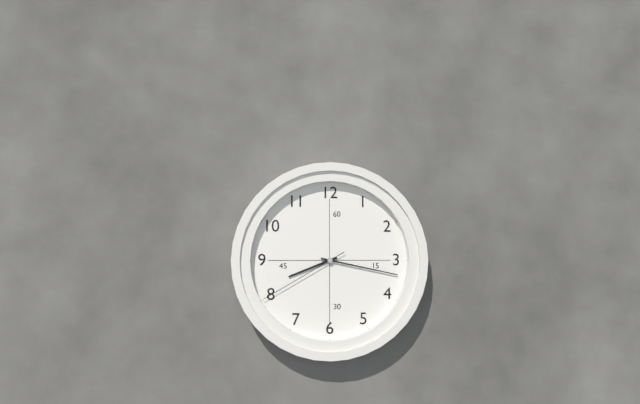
8:17:40
